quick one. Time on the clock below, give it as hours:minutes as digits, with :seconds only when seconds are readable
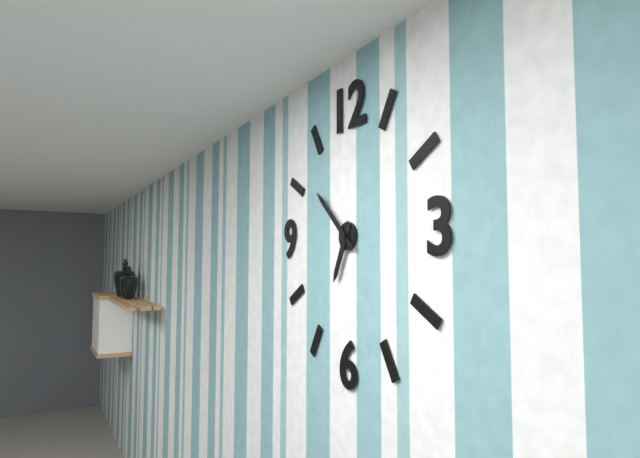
6:52
